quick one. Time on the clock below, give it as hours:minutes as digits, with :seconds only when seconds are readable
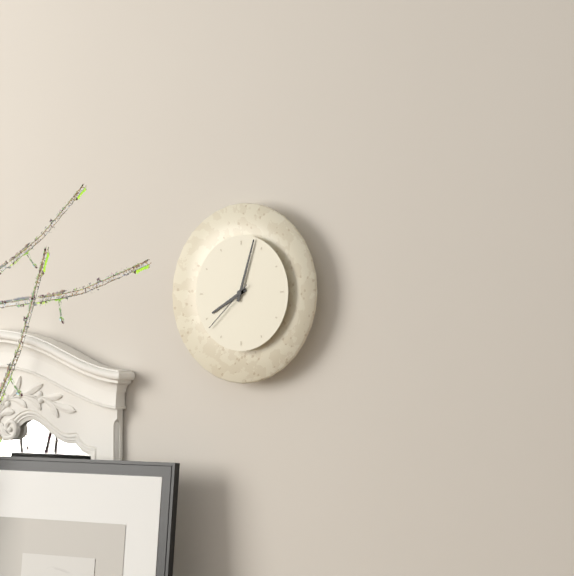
8:03:38
